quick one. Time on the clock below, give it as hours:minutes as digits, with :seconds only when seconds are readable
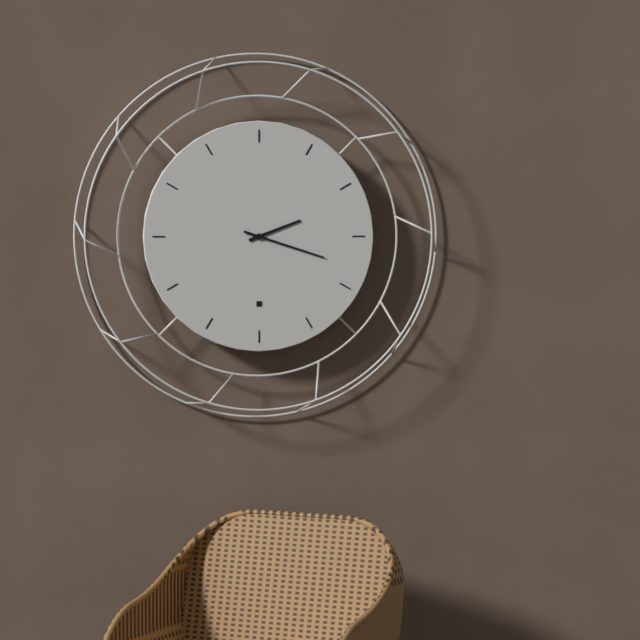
2:18
